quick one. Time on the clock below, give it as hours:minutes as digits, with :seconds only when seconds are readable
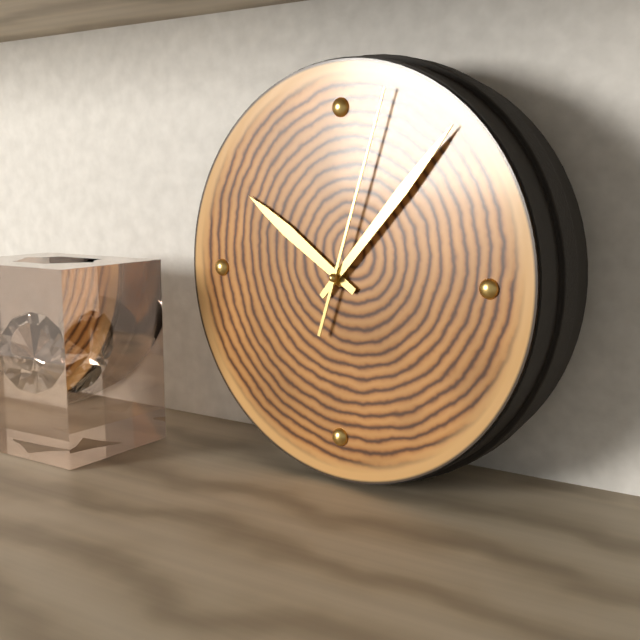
10:07:03
